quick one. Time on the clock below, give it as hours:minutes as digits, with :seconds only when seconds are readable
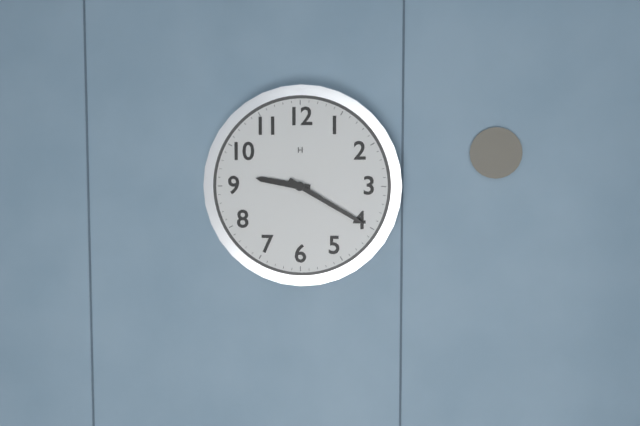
9:20
